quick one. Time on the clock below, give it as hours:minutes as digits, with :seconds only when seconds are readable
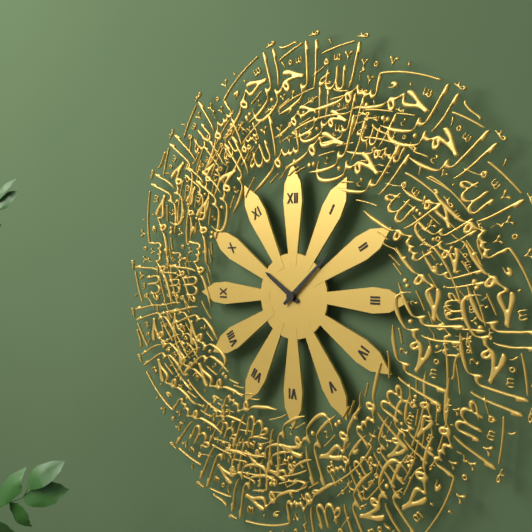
10:08
